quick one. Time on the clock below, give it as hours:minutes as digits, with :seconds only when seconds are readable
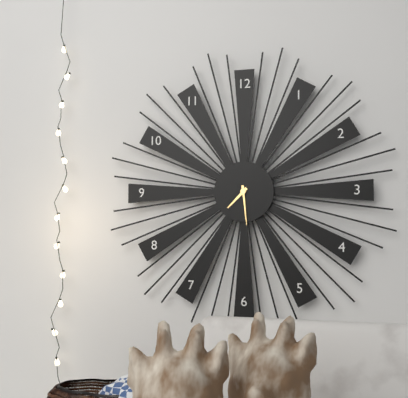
7:29
